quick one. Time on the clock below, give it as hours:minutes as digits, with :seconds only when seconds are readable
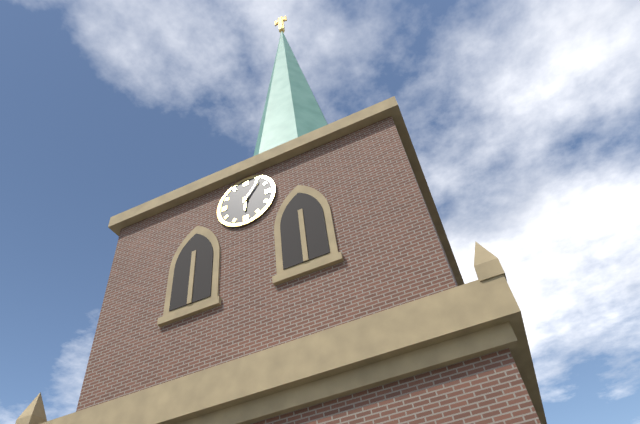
6:06
